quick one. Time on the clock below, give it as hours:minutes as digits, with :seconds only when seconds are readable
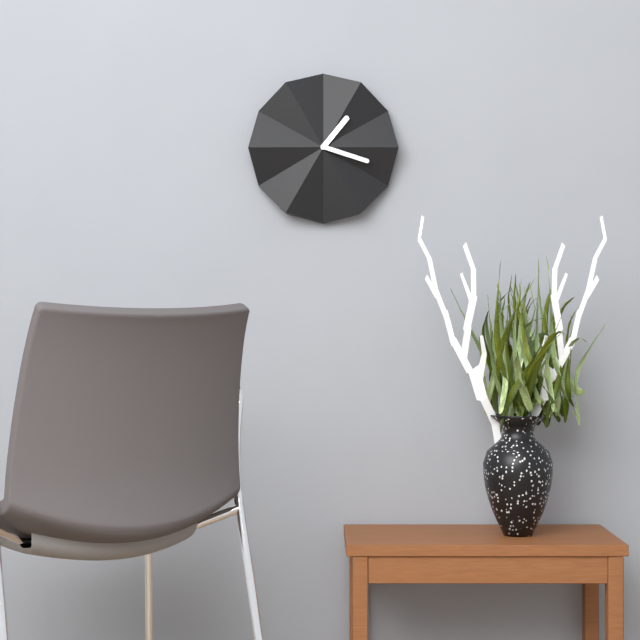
1:18
